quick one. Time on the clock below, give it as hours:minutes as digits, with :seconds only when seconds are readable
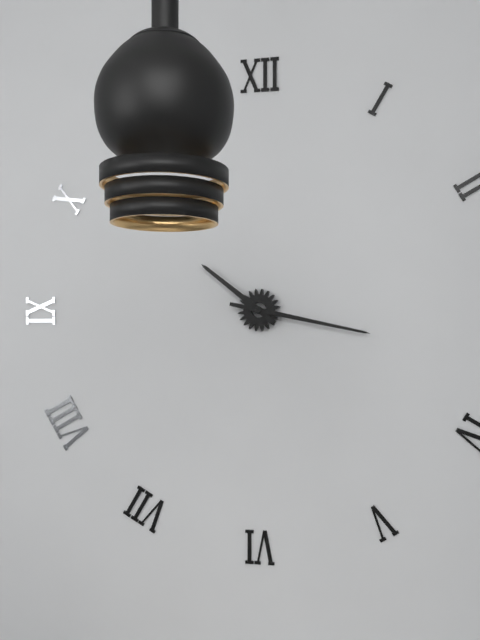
10:17
